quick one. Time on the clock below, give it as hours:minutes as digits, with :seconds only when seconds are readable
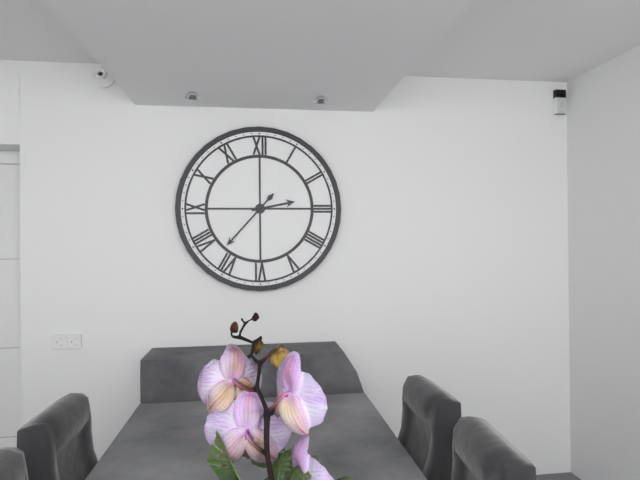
2:37
